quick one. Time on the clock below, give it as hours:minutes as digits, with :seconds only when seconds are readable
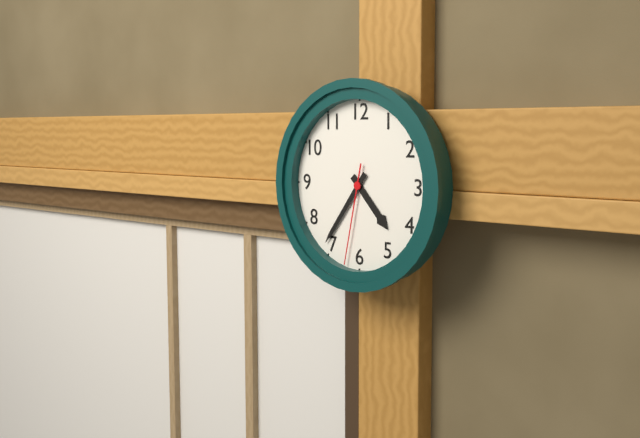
4:36:32
